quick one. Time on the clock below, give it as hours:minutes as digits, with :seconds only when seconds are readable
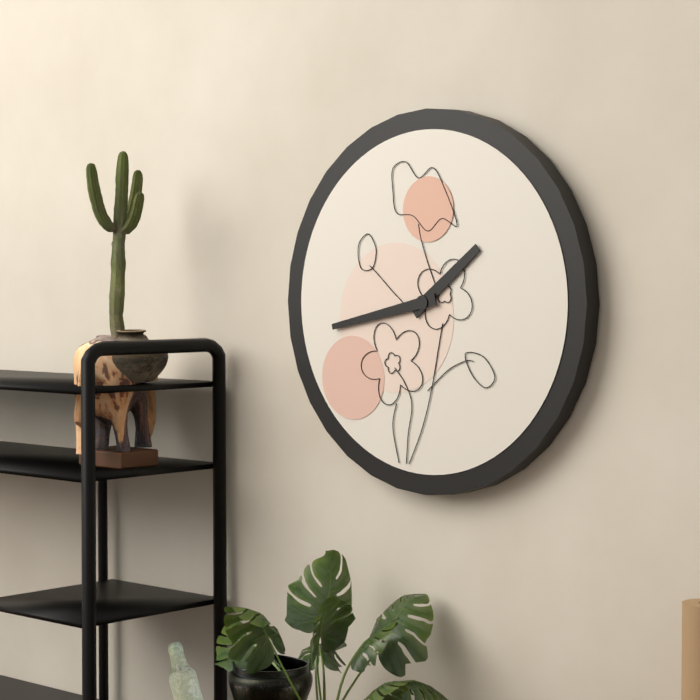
1:43
